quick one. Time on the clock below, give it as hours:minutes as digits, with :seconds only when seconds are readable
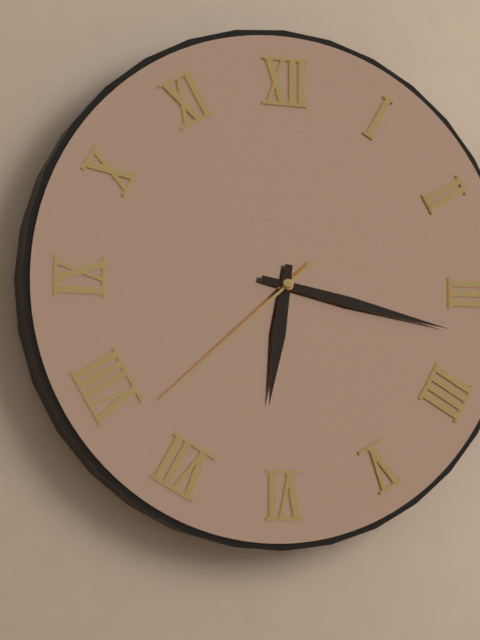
6:17:38
